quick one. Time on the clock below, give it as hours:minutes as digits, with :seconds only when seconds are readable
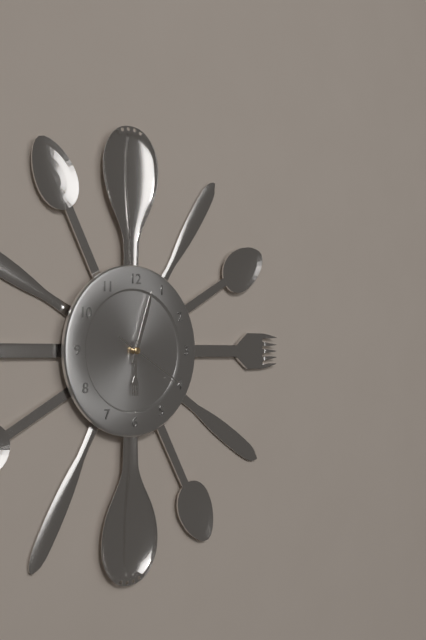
6:03:20
